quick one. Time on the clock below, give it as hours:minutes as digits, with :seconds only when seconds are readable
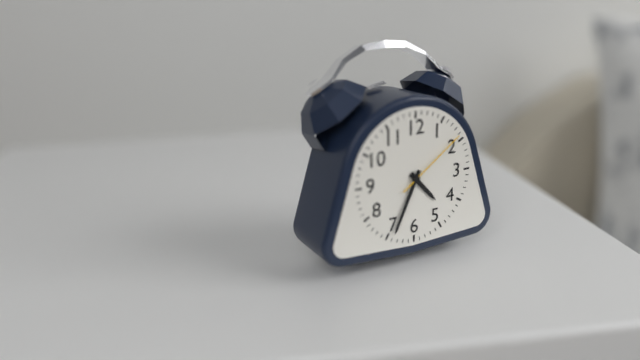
4:34:09
